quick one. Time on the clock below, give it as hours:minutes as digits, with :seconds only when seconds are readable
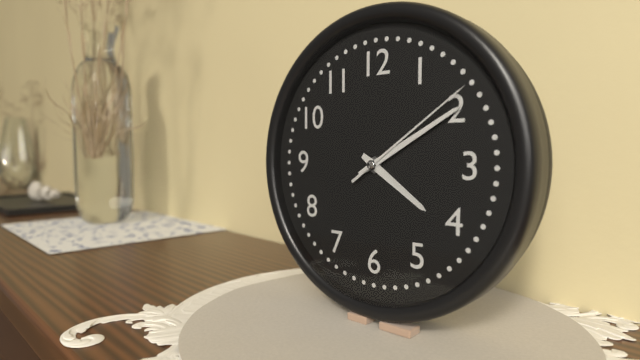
4:10:09
